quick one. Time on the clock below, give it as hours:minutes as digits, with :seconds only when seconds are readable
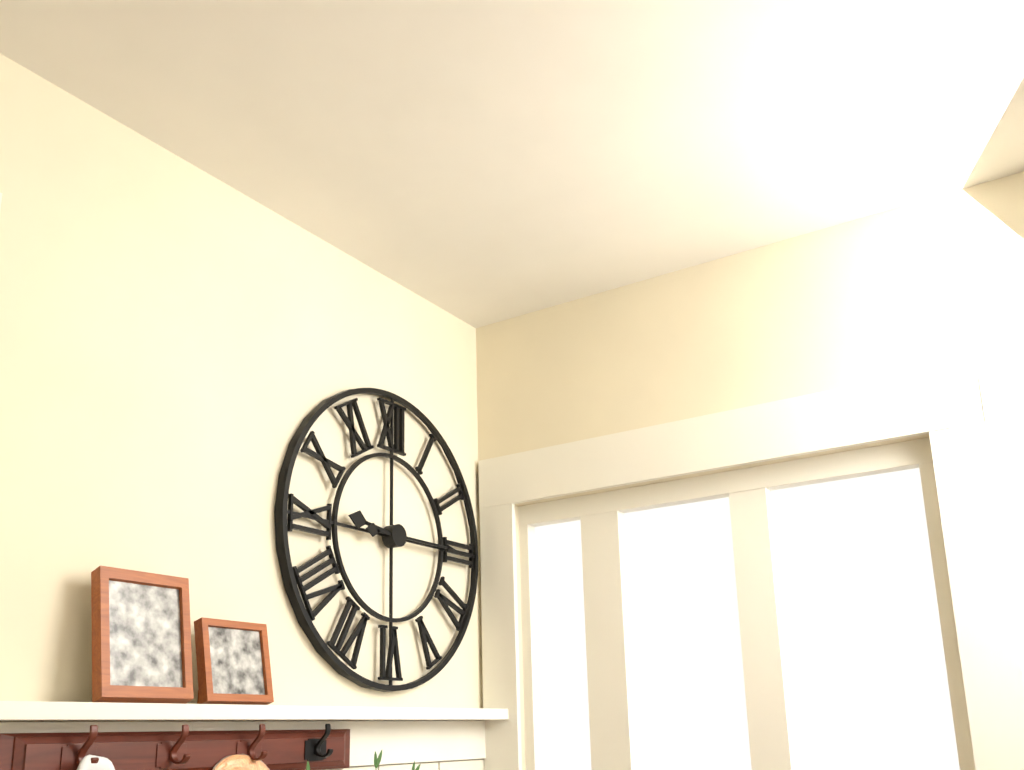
9:15
